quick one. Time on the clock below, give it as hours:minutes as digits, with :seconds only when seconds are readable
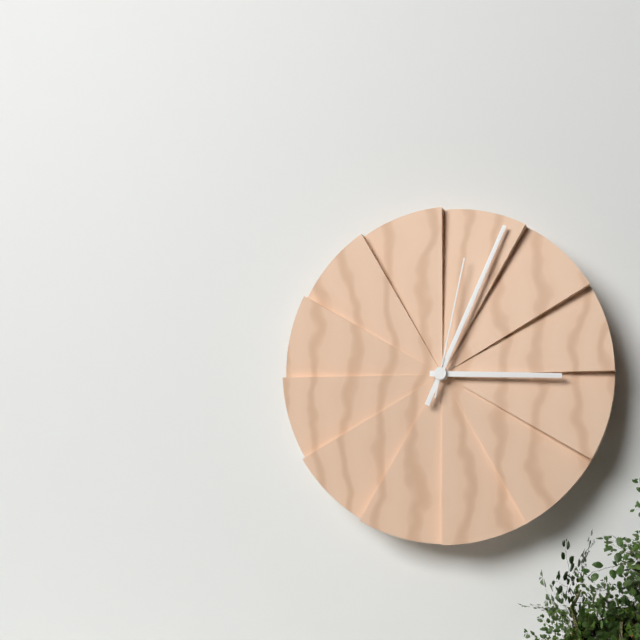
3:04:02
